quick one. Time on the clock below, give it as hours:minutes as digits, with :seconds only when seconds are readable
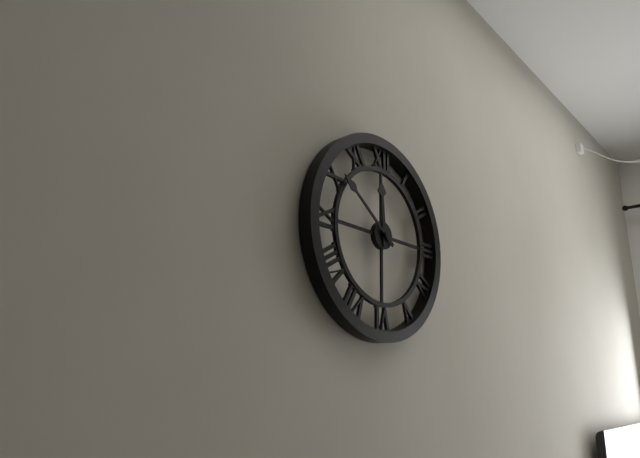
11:51
